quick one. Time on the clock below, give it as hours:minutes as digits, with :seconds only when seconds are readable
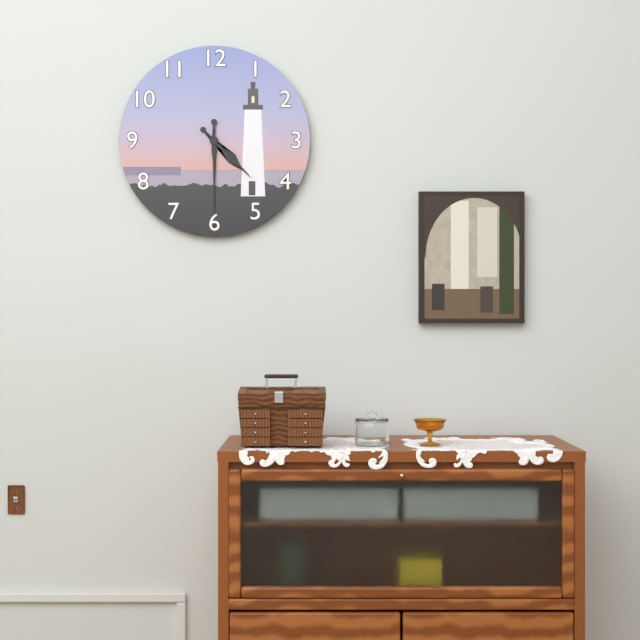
4:30
